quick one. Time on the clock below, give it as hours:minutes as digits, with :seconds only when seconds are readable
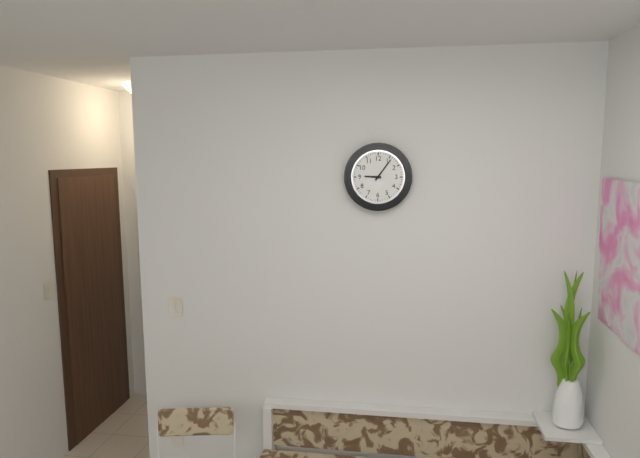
9:06
